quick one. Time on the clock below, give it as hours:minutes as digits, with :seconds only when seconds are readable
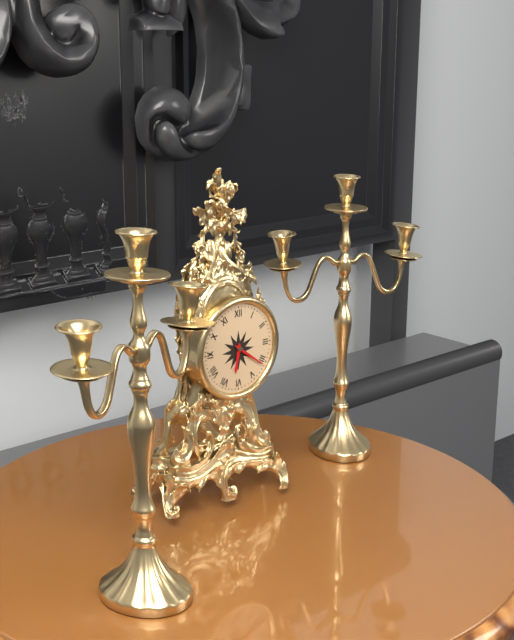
6:21
